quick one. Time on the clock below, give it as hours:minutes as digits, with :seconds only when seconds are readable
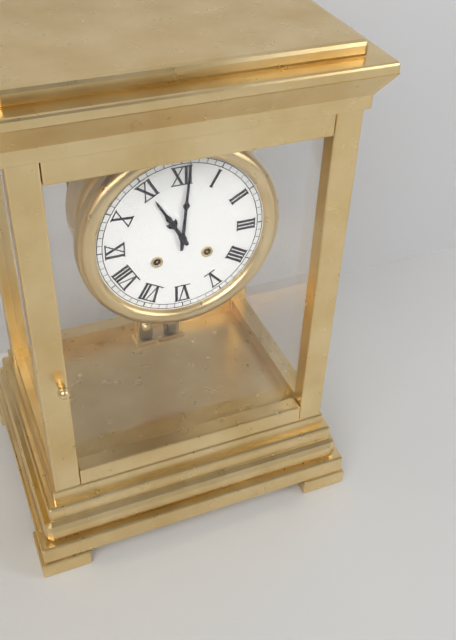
11:01
